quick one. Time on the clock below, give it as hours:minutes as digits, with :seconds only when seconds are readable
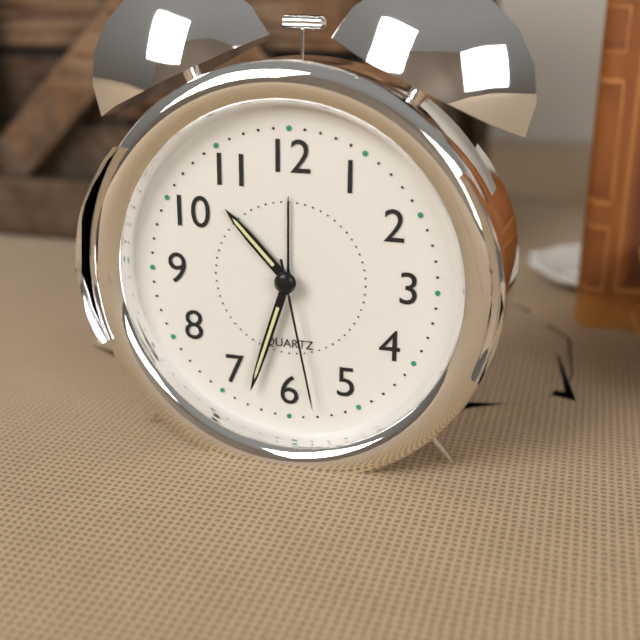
10:33:28
